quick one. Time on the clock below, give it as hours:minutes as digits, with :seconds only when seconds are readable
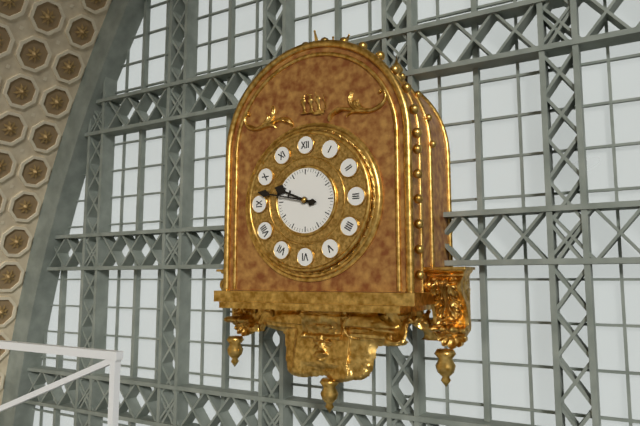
9:47
